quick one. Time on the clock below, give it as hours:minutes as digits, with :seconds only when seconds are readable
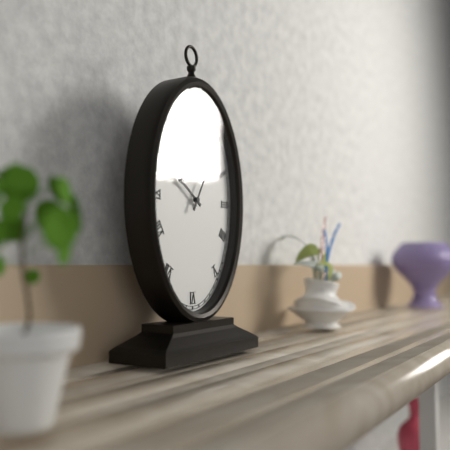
10:05
